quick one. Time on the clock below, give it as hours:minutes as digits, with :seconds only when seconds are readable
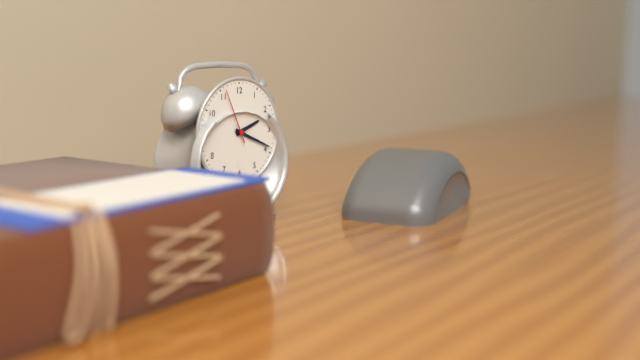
2:19:56
